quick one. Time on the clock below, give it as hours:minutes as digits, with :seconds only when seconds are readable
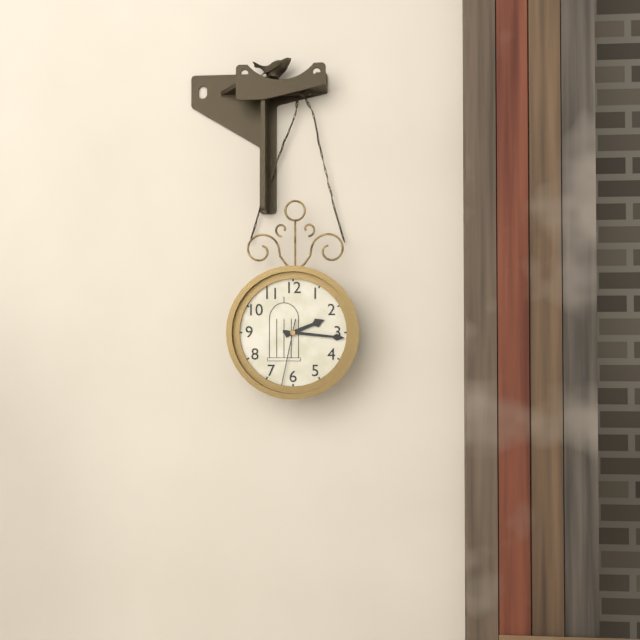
2:16:32
